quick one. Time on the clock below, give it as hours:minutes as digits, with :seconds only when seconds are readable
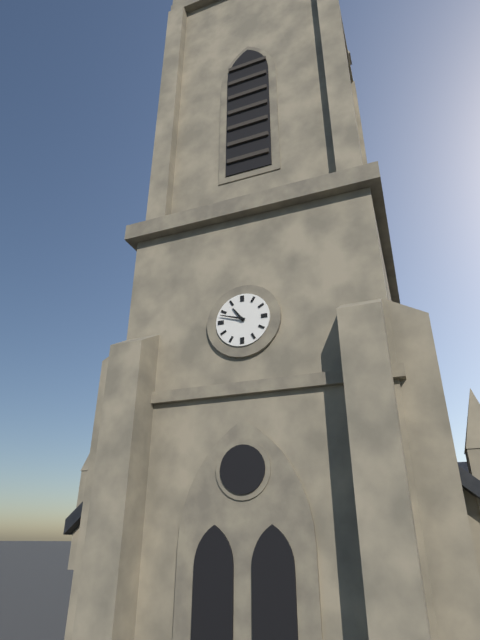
10:48
